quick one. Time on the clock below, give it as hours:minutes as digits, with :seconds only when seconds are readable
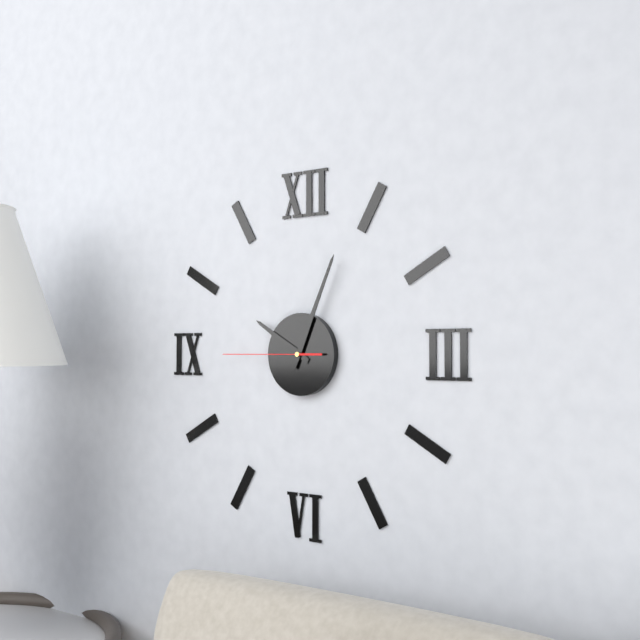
10:04:45
